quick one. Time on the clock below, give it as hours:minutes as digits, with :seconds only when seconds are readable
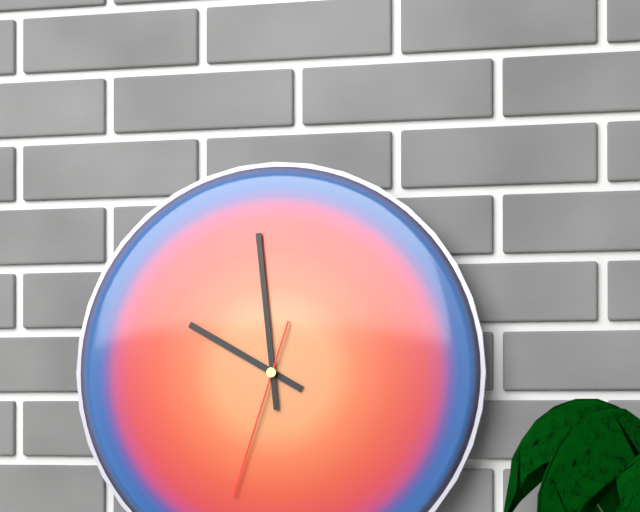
9:59:33
